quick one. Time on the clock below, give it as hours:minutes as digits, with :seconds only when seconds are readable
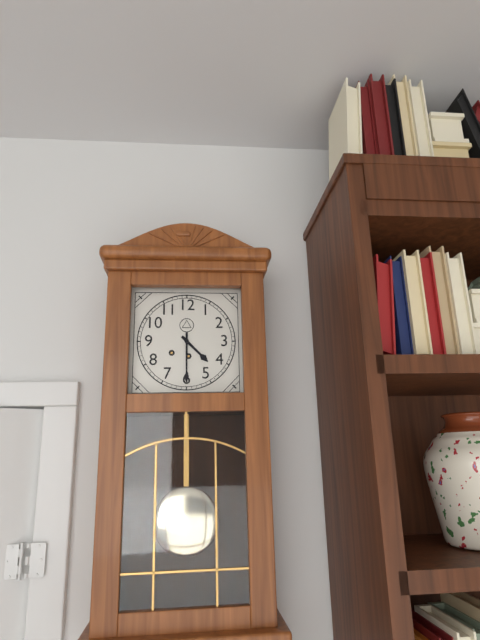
4:30
